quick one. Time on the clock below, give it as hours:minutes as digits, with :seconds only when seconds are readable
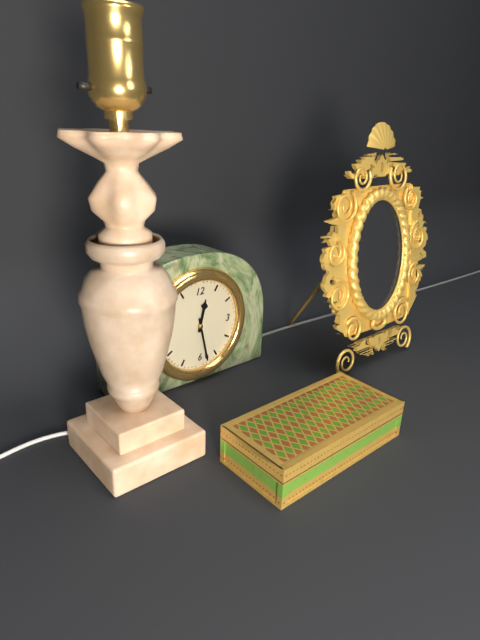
12:28
